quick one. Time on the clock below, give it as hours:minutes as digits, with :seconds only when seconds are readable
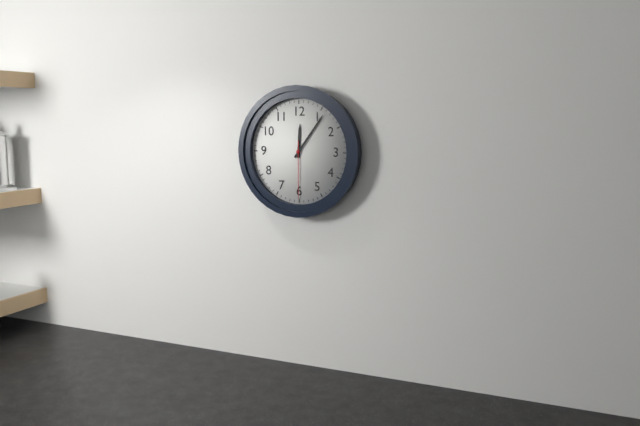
12:06:30
